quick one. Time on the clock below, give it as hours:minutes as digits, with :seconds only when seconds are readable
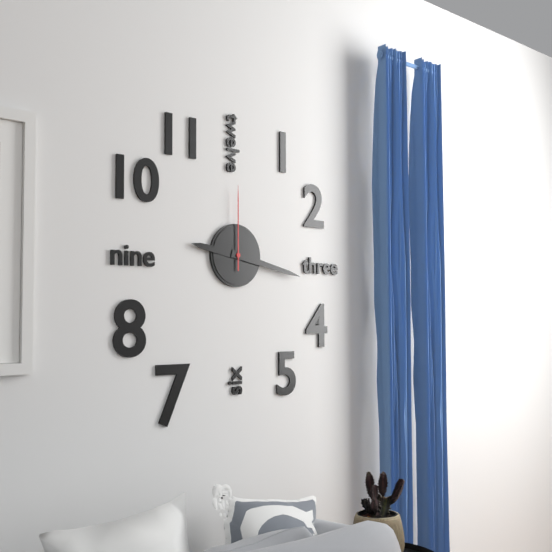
9:17:00
